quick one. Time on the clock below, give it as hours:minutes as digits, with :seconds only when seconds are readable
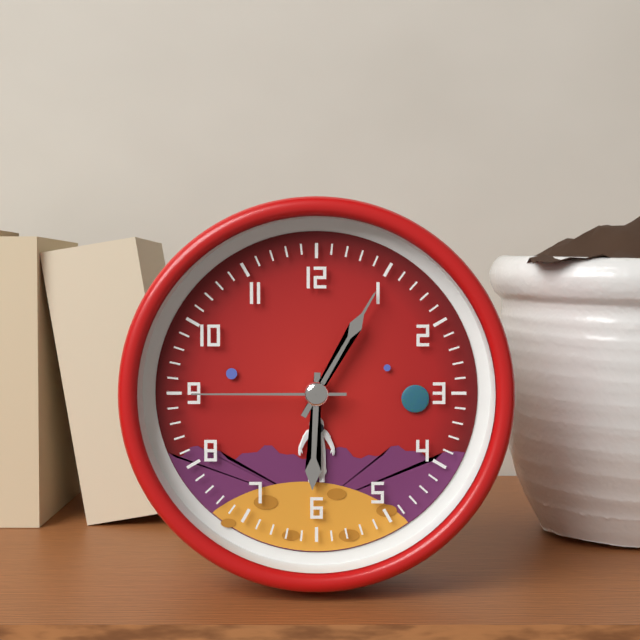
6:05:45
